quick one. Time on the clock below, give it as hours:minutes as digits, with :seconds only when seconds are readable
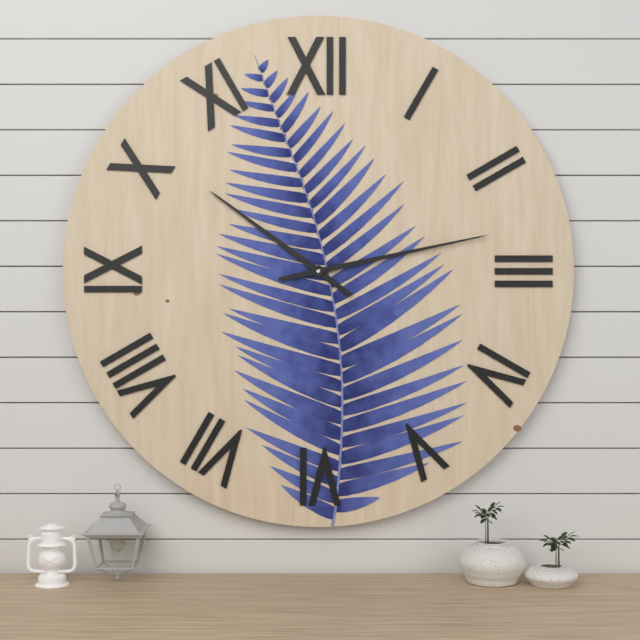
10:13
